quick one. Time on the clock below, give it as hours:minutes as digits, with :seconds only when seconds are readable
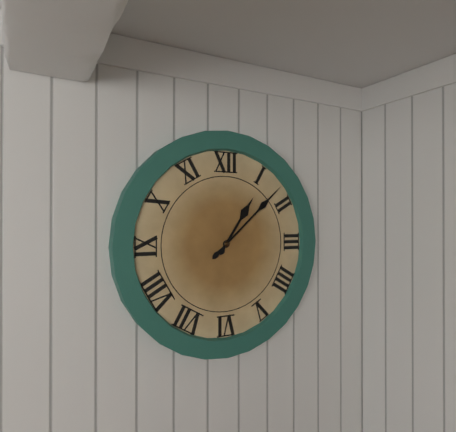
1:08
